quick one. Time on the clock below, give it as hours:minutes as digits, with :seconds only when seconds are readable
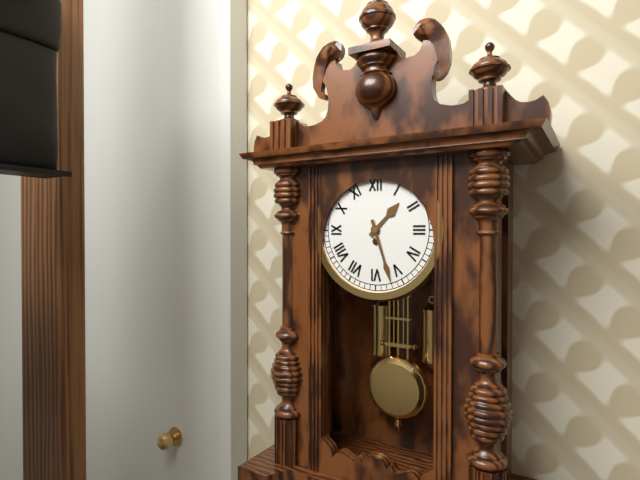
1:27
